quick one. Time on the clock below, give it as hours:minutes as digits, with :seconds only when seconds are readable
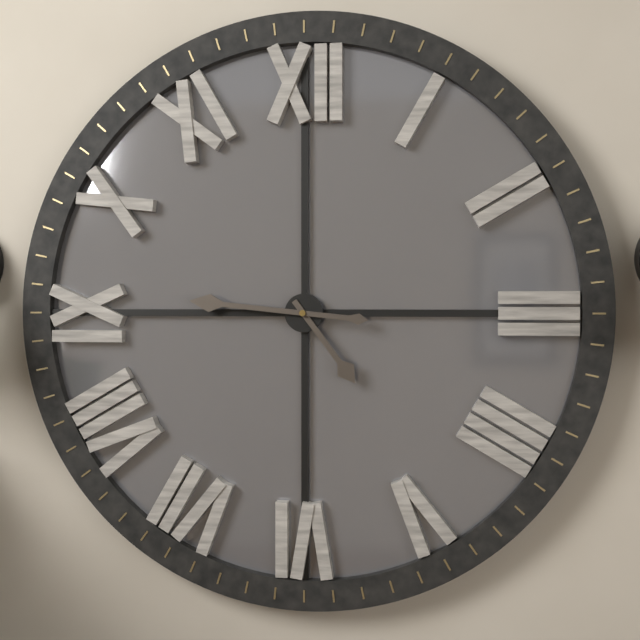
4:46
